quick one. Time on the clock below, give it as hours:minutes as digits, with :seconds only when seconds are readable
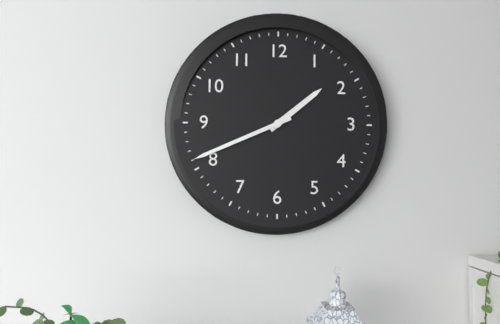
1:41
